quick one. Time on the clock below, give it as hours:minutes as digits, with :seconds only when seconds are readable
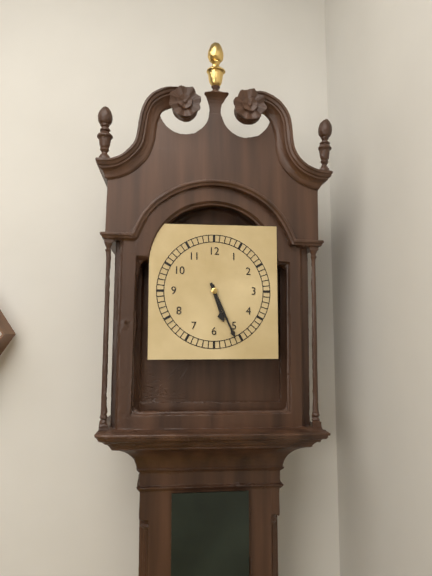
5:26
